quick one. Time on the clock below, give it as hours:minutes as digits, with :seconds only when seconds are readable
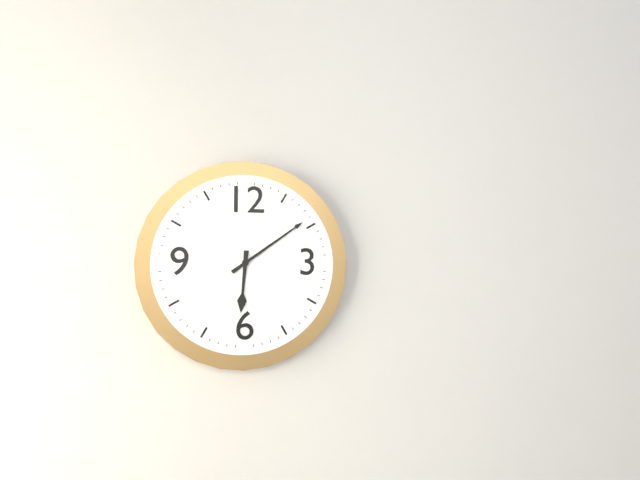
6:09
